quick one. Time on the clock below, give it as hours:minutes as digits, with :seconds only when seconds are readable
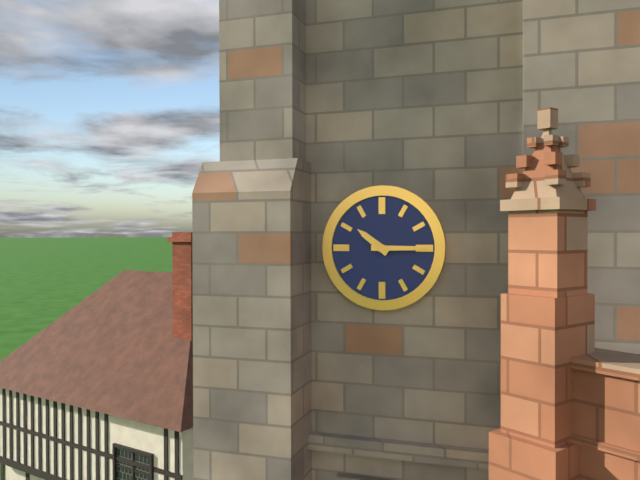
10:15
